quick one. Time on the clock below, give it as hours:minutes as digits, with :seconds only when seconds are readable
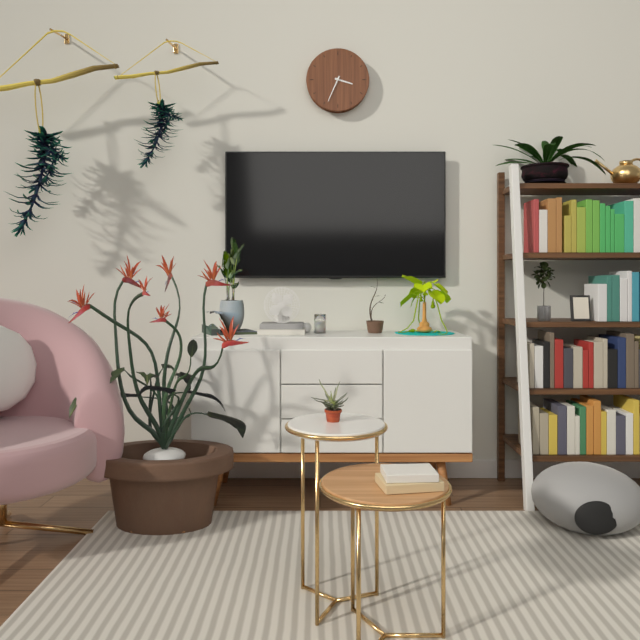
3:34
